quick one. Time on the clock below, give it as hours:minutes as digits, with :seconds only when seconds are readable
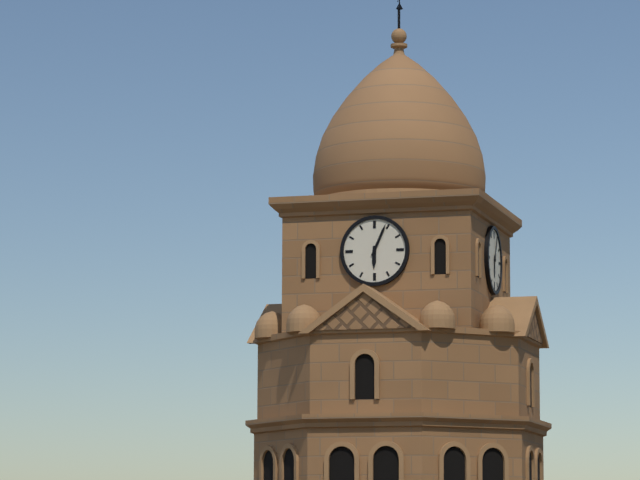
6:04
